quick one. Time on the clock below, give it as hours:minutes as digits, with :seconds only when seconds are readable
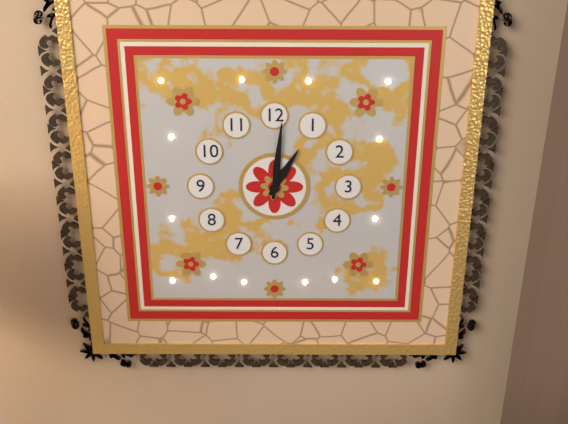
1:01
